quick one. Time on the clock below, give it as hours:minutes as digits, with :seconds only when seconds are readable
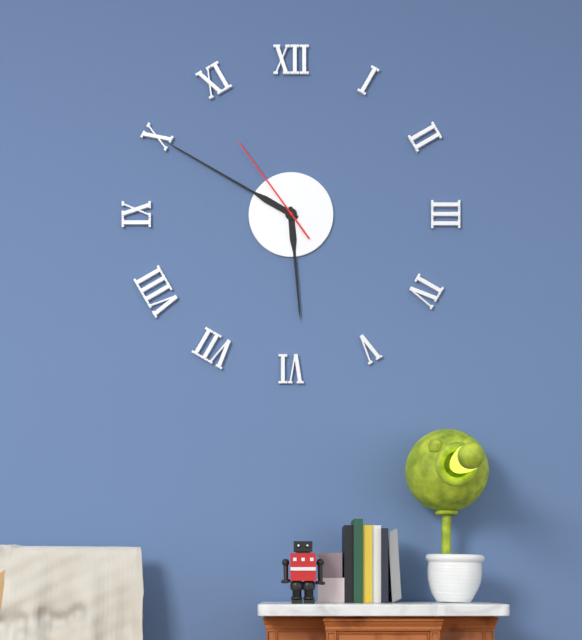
5:50:54
